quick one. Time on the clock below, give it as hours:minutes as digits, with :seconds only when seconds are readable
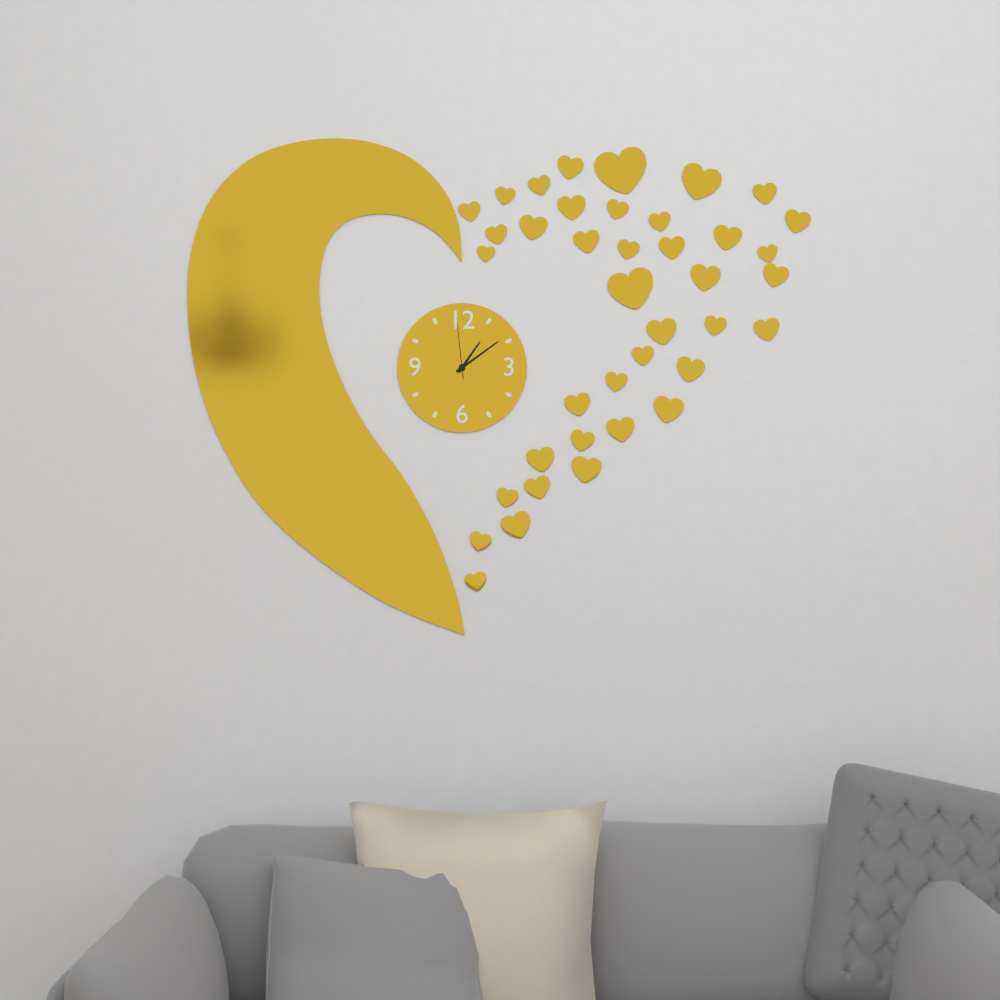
1:09:59
